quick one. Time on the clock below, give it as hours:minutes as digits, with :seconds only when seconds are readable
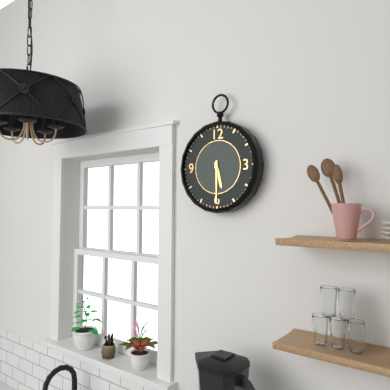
5:30
